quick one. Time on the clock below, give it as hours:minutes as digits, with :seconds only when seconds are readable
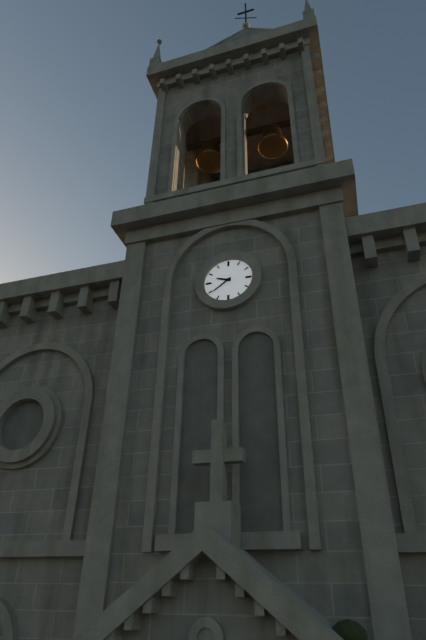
9:39
